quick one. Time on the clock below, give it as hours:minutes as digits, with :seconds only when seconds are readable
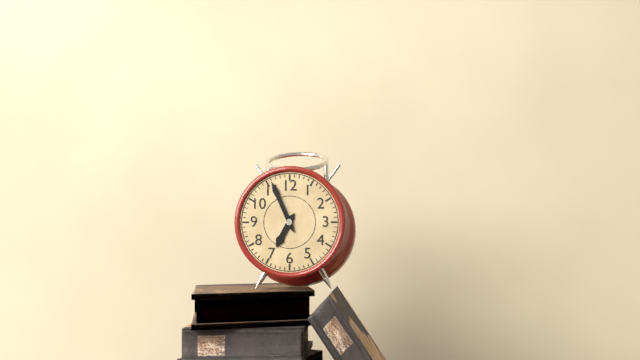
6:56
